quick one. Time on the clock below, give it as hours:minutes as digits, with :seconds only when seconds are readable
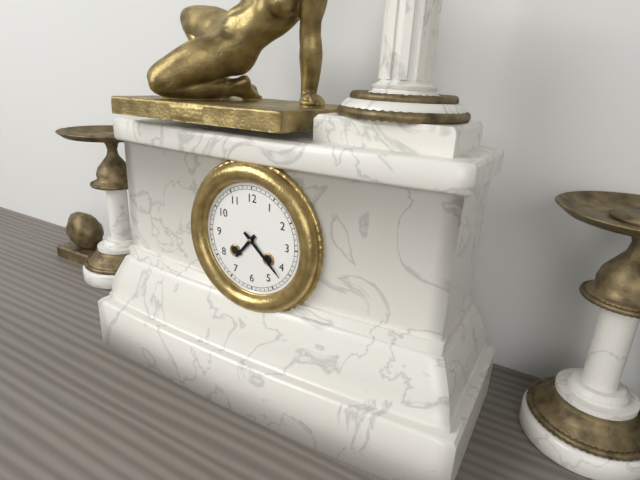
7:22
